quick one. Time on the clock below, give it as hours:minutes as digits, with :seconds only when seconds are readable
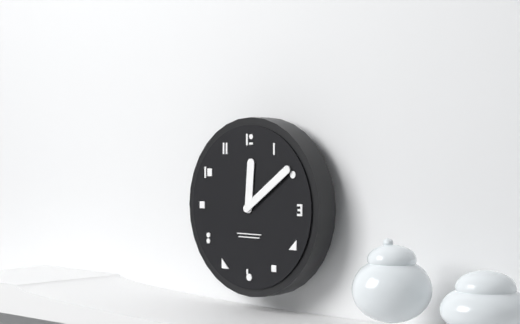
12:09
